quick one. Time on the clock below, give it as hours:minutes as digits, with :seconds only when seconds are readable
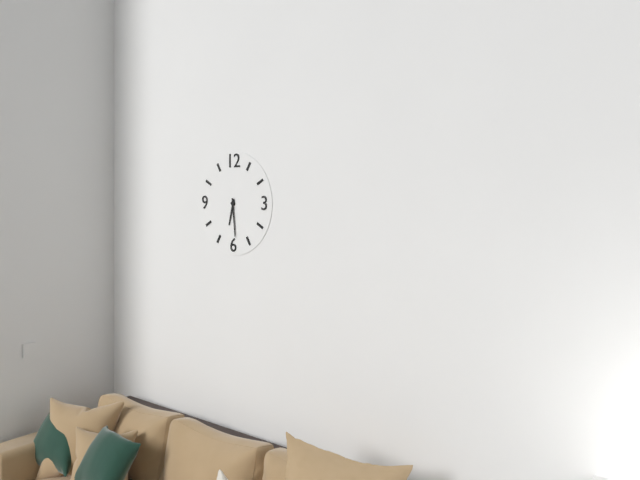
6:29
